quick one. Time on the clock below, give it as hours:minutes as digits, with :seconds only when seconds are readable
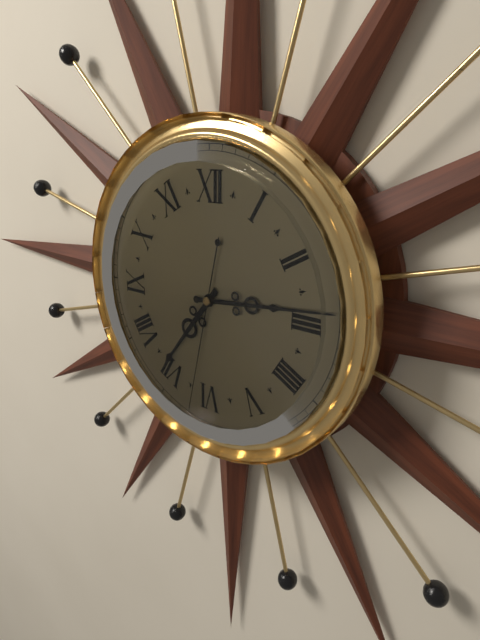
7:14:32
